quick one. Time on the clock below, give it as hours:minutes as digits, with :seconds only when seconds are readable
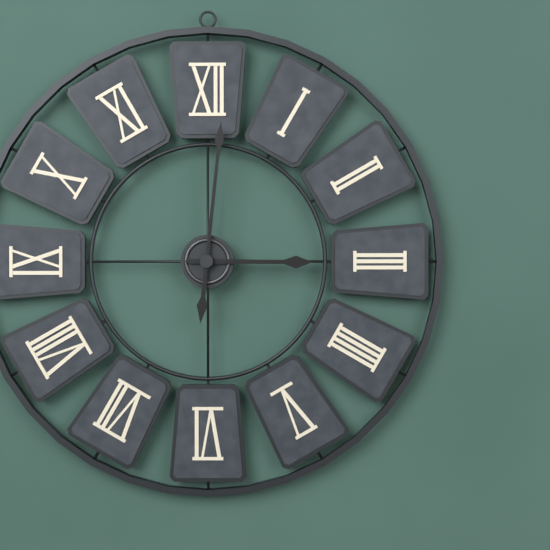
3:01
